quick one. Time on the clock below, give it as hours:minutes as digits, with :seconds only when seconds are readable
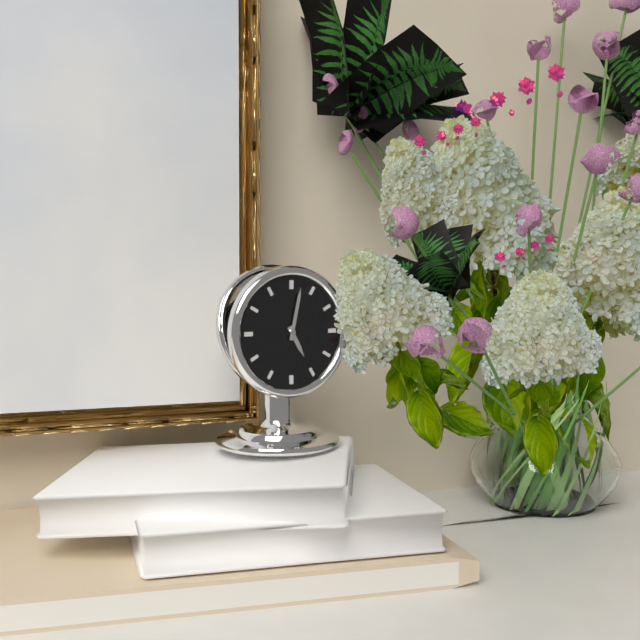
5:02
